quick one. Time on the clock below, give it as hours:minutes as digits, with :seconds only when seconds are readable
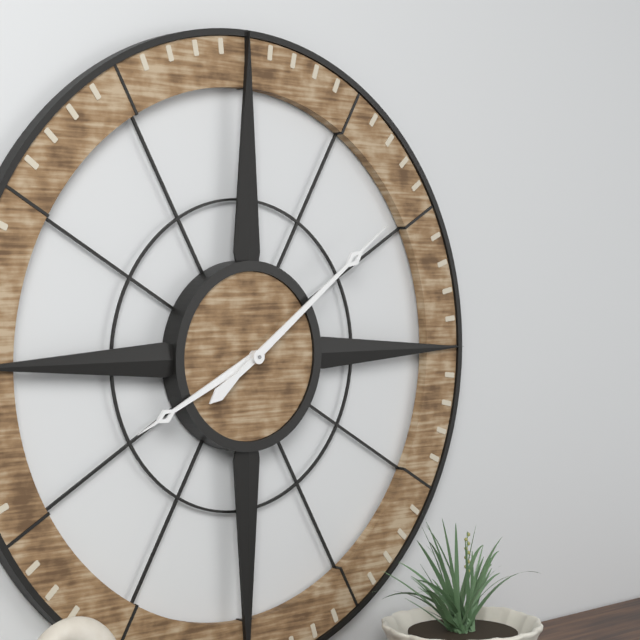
8:09
